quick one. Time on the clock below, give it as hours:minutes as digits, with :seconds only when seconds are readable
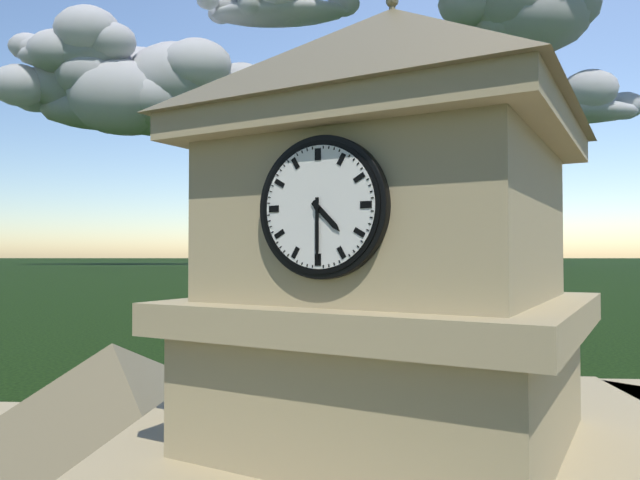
4:30
